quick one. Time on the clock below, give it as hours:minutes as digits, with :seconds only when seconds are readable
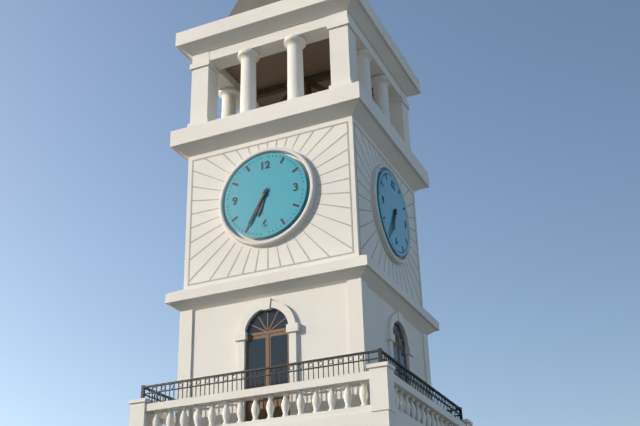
6:35
